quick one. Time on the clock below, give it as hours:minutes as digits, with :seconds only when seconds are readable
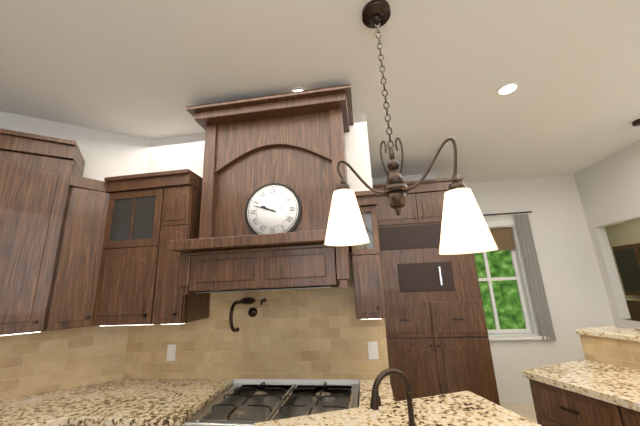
9:48
